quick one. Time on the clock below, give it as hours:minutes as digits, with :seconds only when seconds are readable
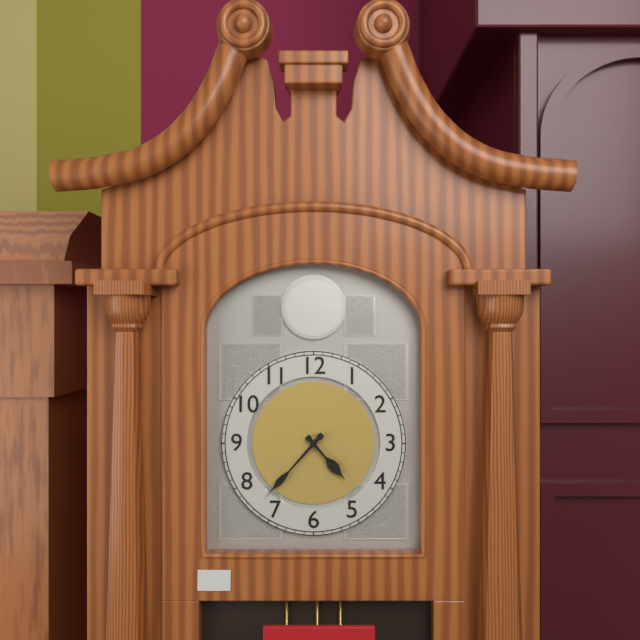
4:37
